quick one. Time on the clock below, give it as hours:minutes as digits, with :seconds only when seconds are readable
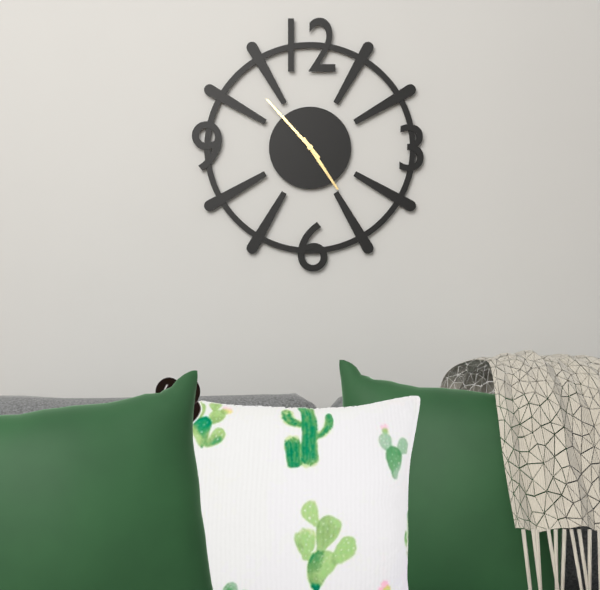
4:53
